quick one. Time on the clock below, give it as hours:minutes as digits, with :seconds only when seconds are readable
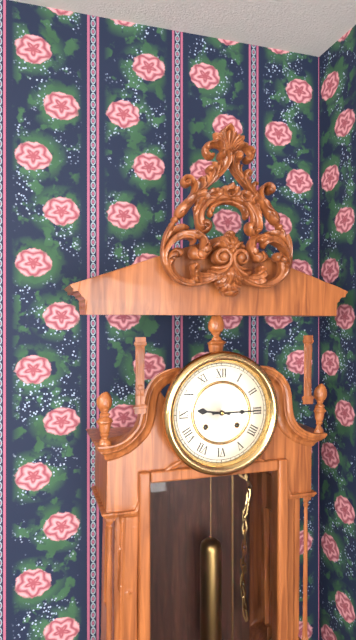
9:15
